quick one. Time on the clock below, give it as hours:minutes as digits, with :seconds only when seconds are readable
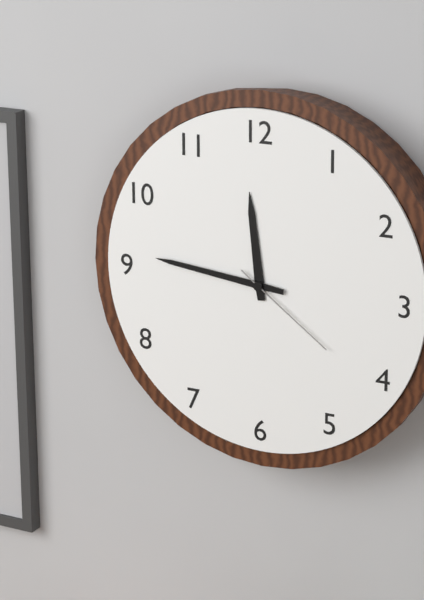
11:46:21
